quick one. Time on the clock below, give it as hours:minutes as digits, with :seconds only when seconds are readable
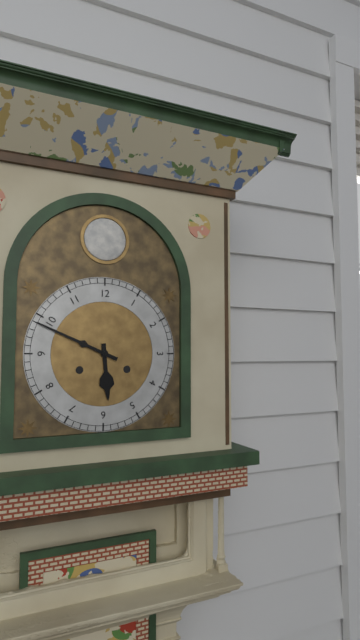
5:49
